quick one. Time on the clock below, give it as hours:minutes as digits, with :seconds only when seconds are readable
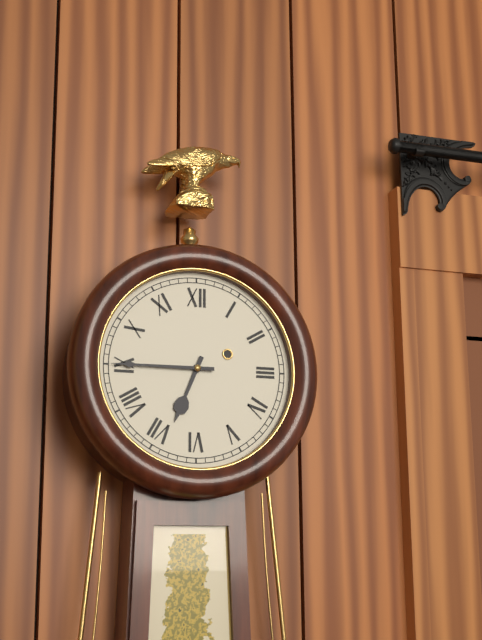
6:45
